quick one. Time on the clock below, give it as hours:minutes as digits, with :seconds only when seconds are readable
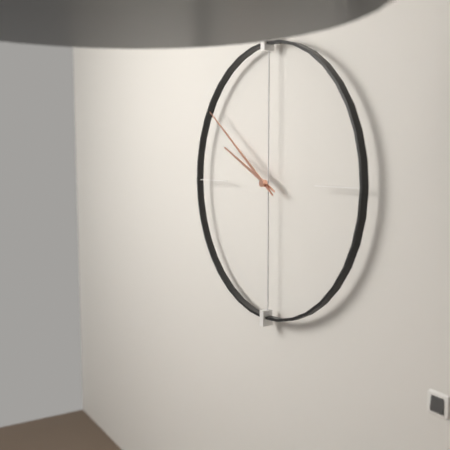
9:51
